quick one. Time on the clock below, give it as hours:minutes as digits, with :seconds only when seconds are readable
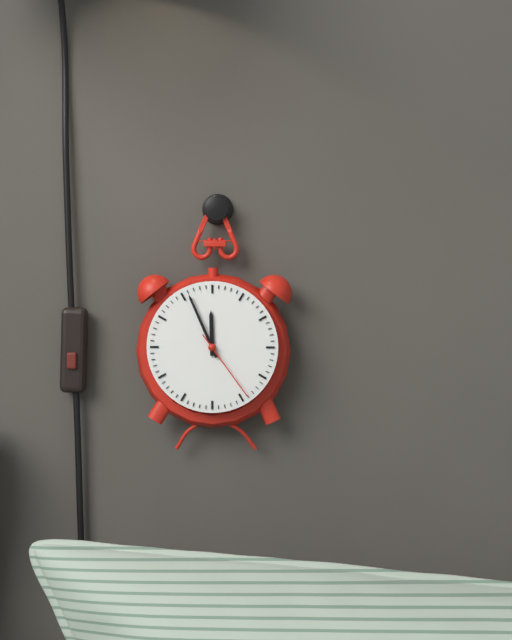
11:56:24
